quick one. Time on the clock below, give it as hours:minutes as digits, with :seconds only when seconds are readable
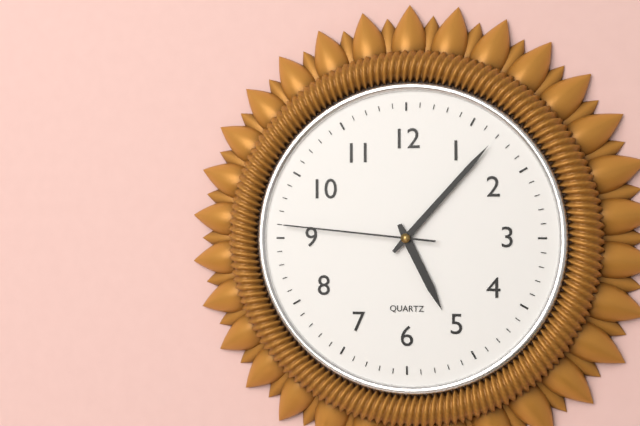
5:07:46
